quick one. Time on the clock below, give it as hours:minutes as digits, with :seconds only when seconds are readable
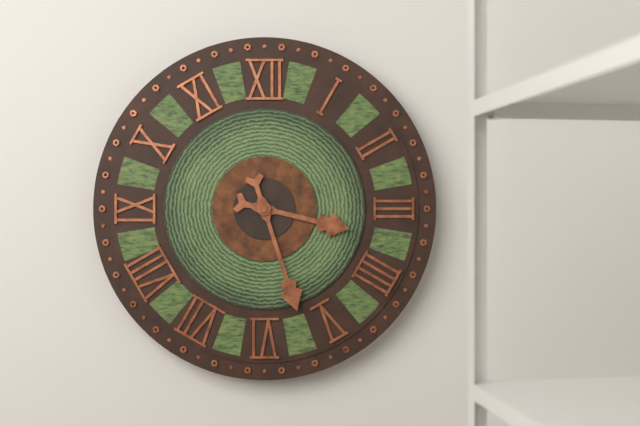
3:27
